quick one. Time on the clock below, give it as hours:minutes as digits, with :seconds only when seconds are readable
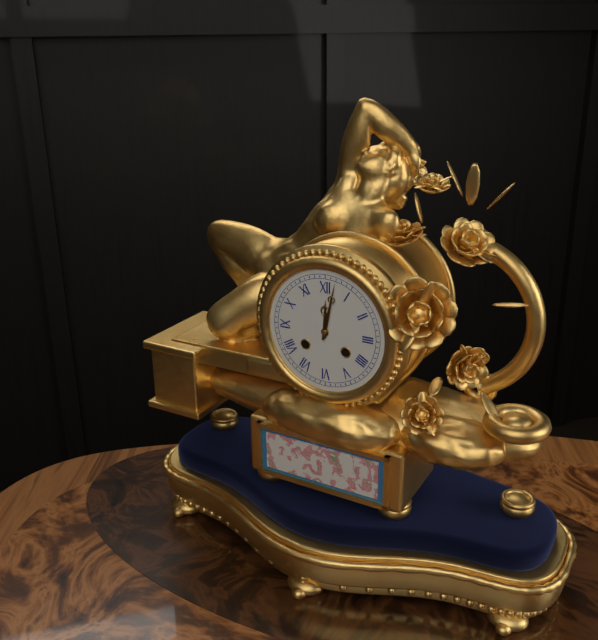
12:02
